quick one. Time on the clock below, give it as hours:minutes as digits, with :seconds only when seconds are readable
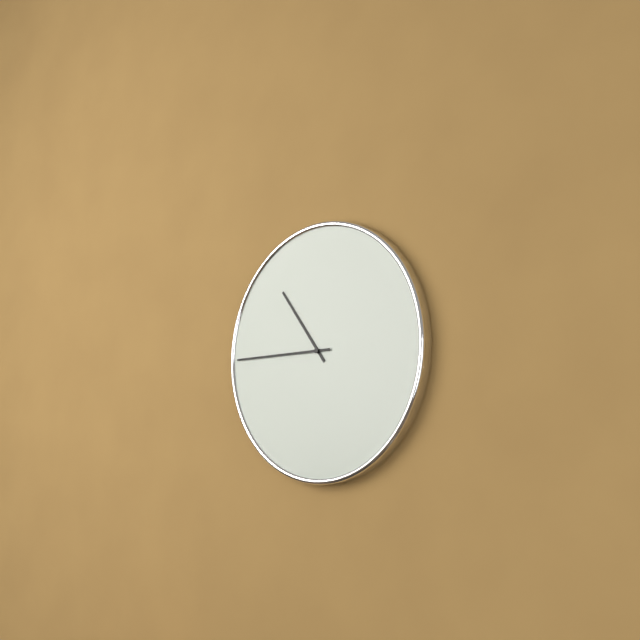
10:45
